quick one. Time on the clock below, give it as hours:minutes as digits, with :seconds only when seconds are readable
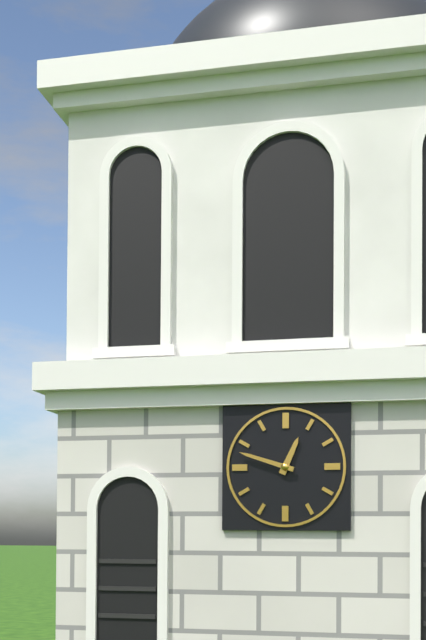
12:48
